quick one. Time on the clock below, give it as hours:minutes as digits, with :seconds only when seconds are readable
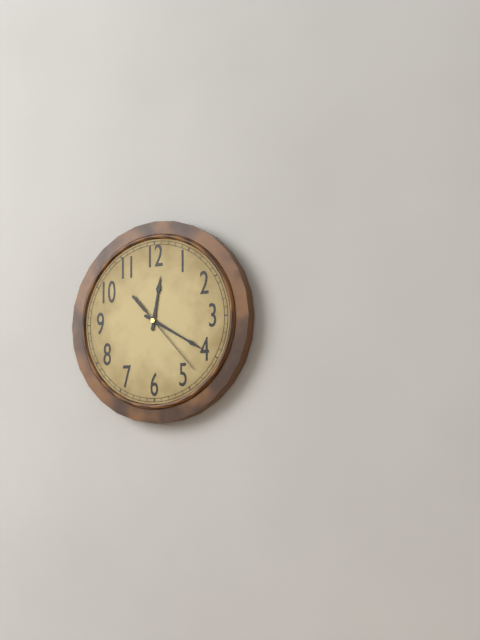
12:20:23
